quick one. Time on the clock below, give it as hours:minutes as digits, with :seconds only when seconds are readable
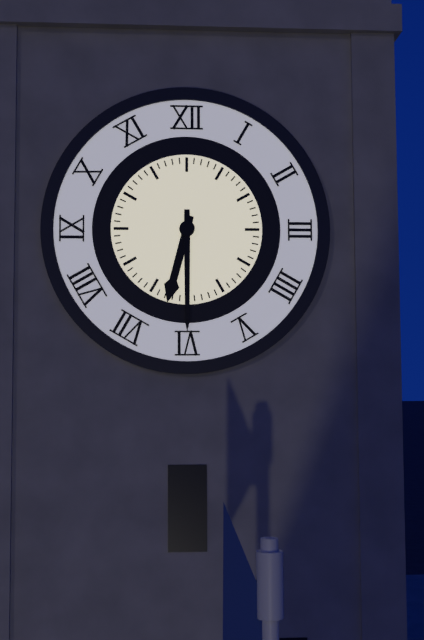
6:30
